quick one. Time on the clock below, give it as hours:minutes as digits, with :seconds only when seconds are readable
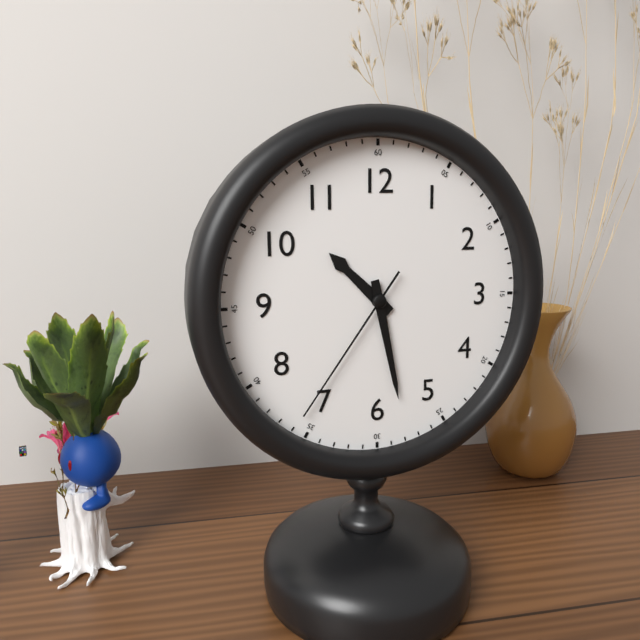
10:28:36
